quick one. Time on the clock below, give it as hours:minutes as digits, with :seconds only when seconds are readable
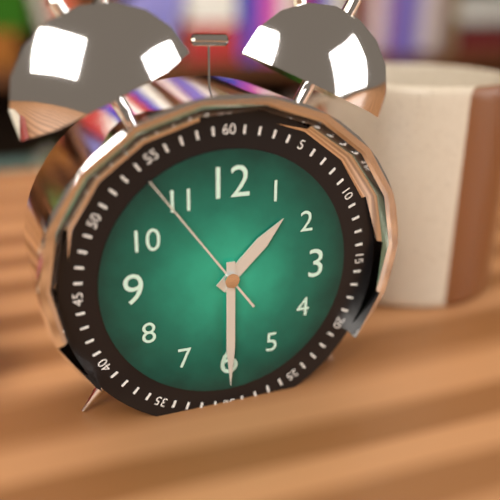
1:30:54
